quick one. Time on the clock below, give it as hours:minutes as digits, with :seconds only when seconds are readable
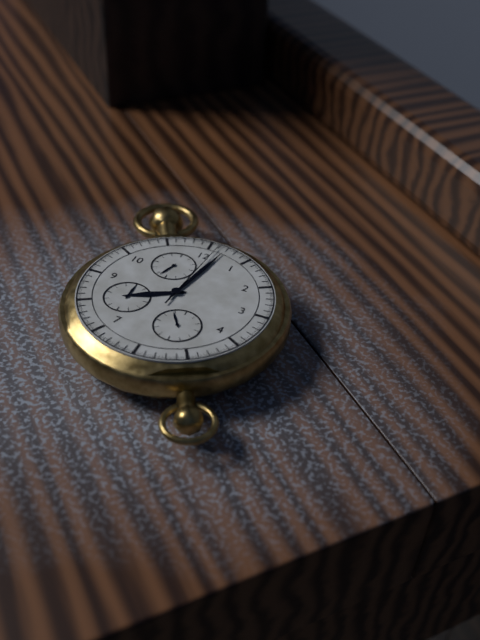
8:02:01
